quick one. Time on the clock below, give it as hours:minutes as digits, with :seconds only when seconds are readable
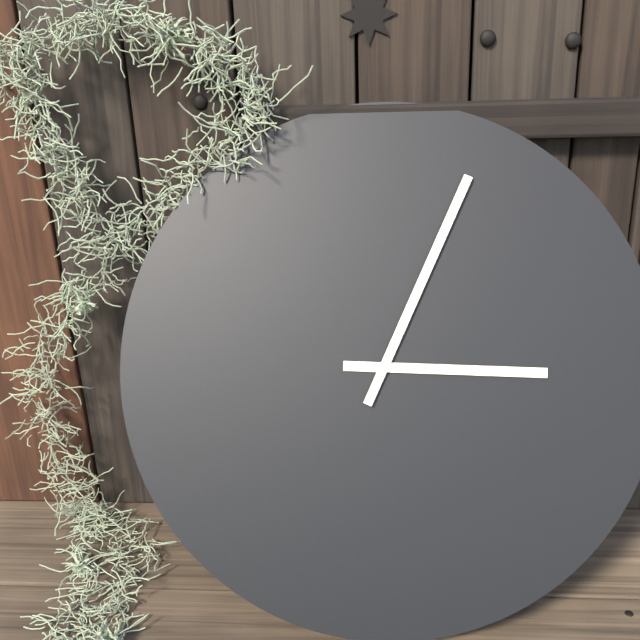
3:04
